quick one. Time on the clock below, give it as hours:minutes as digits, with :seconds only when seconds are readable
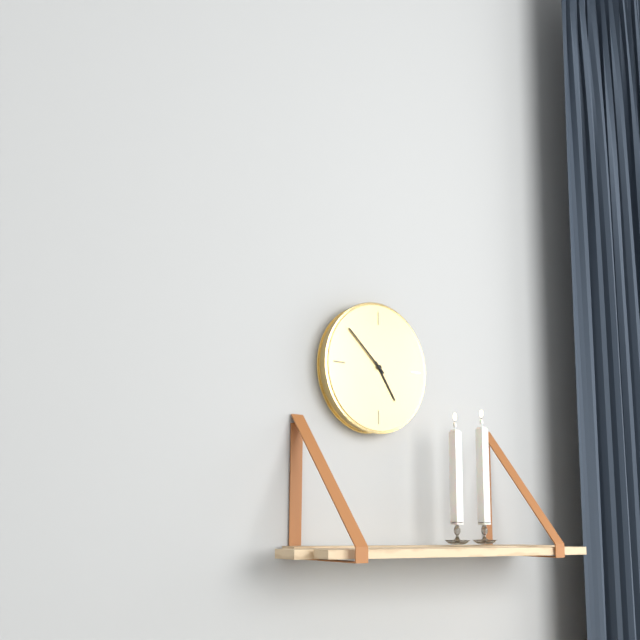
4:52
